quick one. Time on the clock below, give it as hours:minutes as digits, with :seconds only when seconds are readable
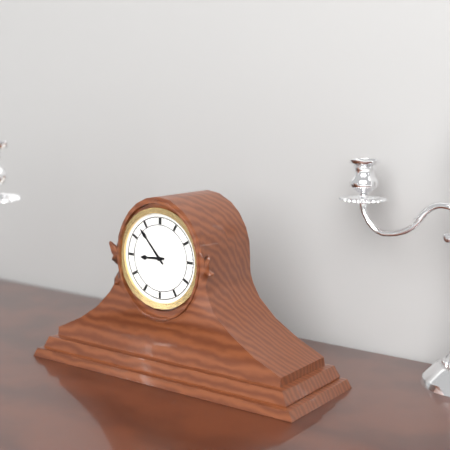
8:53
